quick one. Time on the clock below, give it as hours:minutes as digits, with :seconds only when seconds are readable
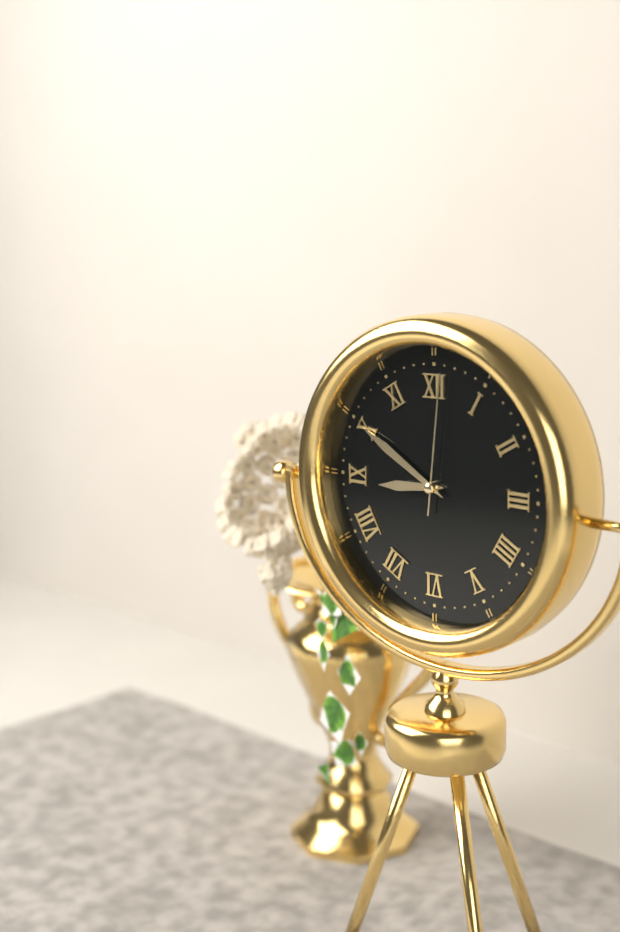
8:50:01
